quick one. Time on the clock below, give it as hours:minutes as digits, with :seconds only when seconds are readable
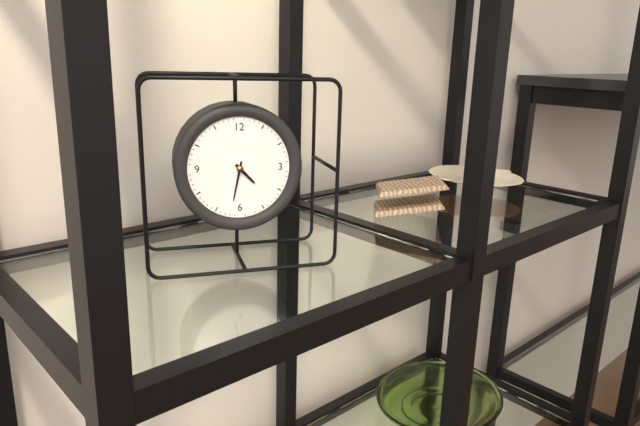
4:32
